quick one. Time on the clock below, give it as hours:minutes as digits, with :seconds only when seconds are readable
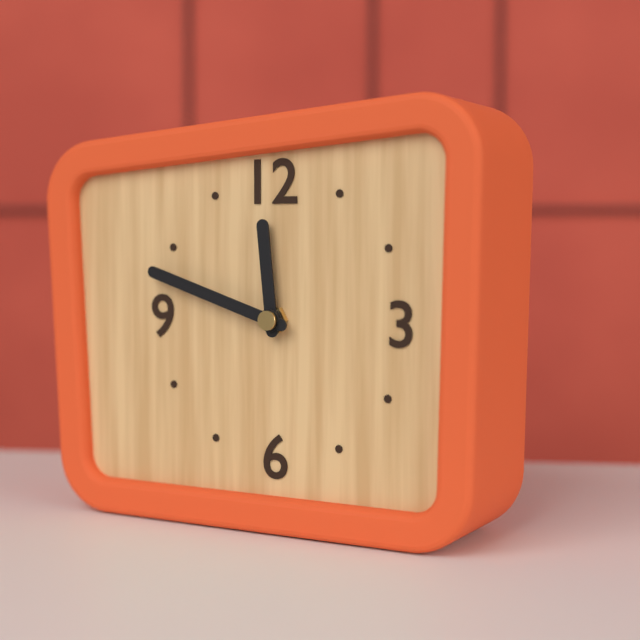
11:48
